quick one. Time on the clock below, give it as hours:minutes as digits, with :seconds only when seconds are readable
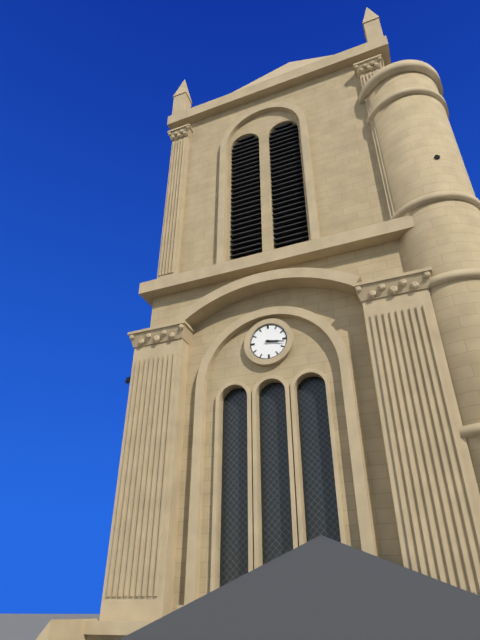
3:17
